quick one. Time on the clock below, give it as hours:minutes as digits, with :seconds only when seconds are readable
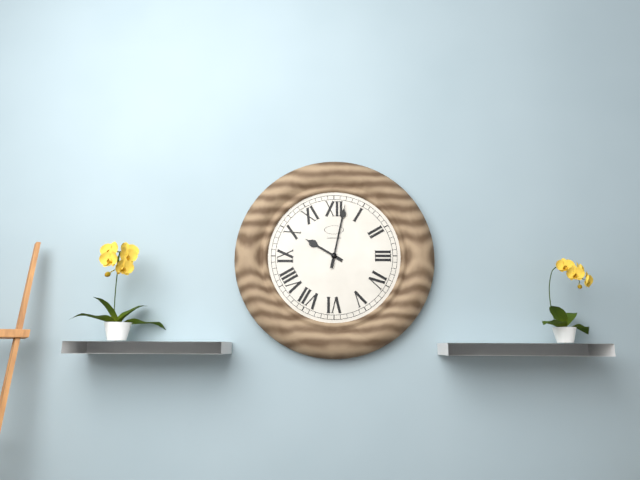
10:02
